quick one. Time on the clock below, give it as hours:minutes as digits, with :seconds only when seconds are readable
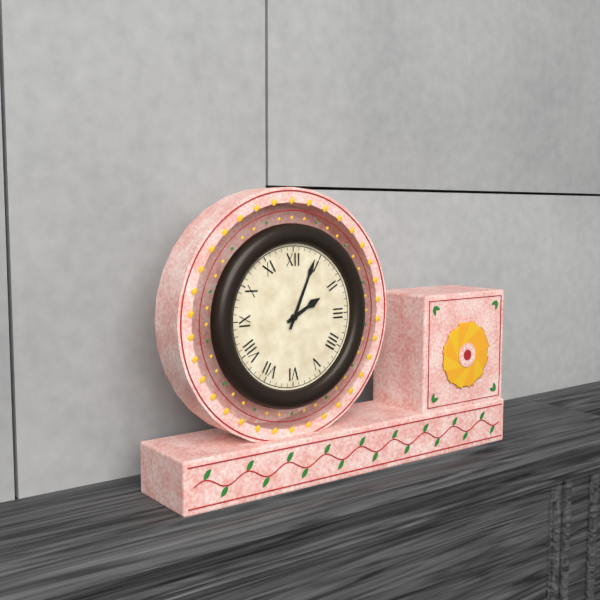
2:04
